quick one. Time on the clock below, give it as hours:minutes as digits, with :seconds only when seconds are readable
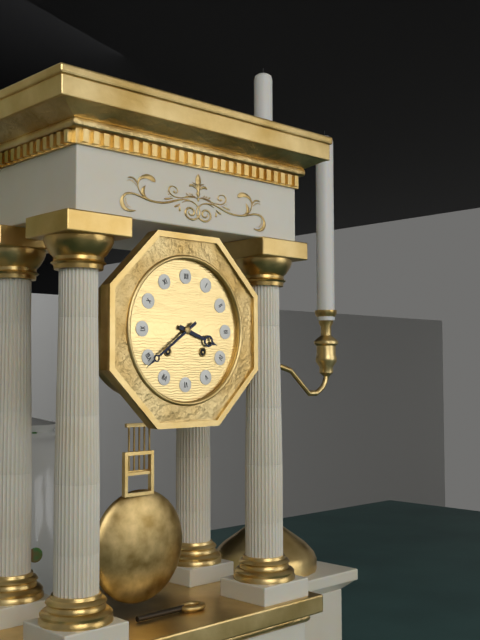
3:39
